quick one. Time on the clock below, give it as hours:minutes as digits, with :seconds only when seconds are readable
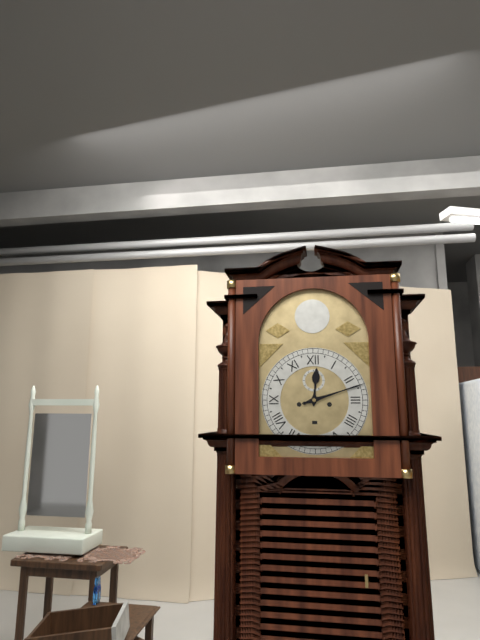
12:12
